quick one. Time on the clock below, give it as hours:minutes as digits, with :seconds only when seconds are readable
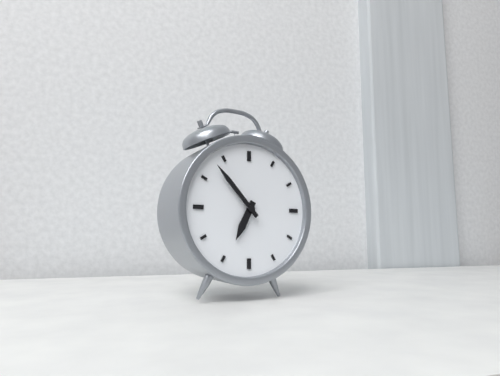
6:53
